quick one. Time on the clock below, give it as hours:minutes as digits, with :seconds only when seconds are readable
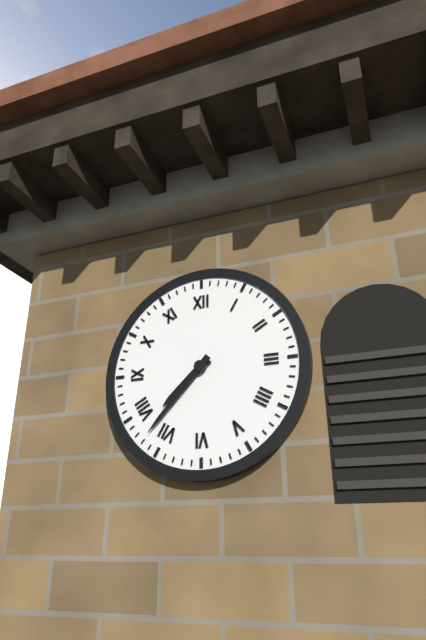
7:37
